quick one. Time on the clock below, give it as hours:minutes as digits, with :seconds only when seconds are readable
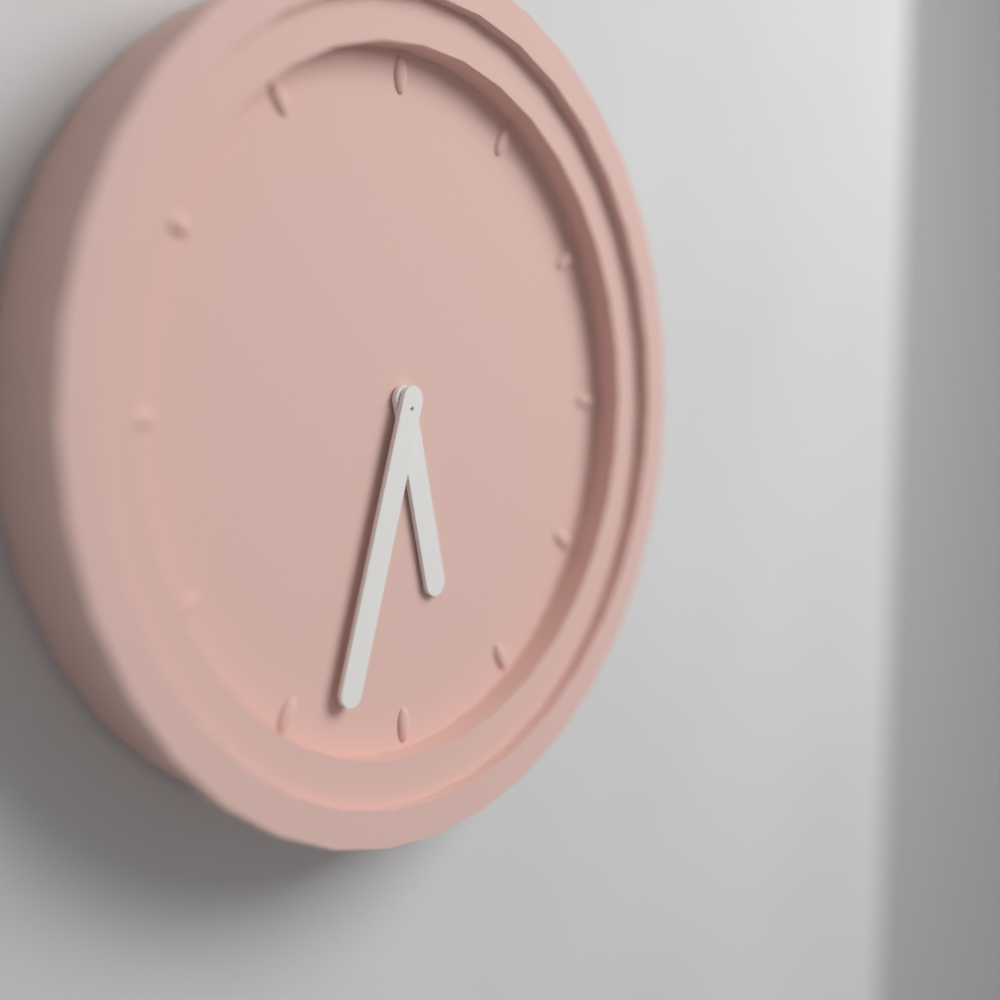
5:33
